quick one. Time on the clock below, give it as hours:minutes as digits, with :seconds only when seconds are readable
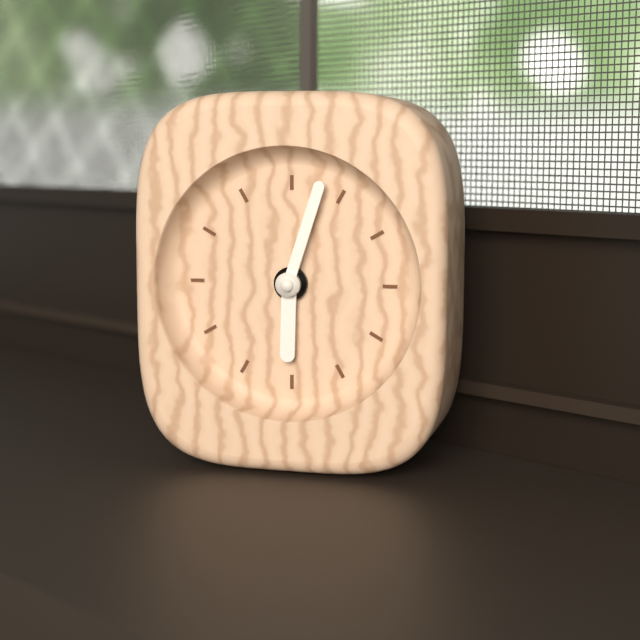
6:03
